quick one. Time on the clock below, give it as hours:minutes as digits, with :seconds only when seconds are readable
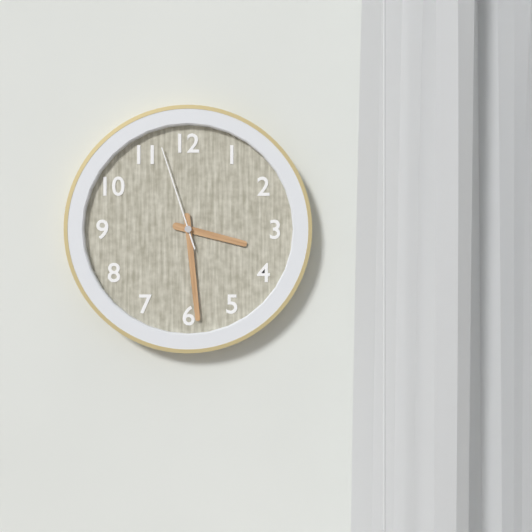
3:29:57
